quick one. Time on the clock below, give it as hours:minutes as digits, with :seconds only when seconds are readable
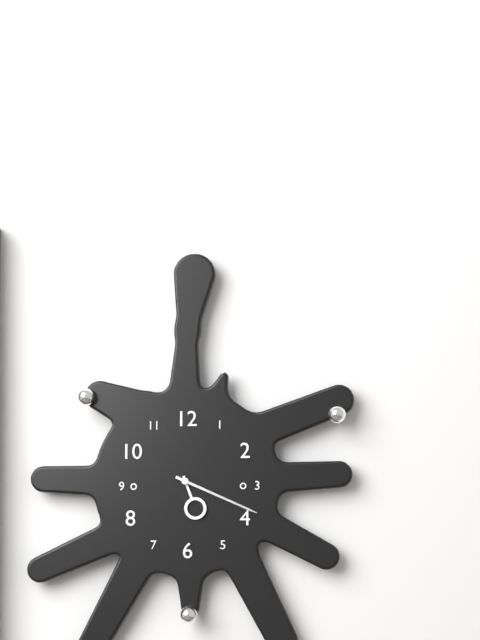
5:19
